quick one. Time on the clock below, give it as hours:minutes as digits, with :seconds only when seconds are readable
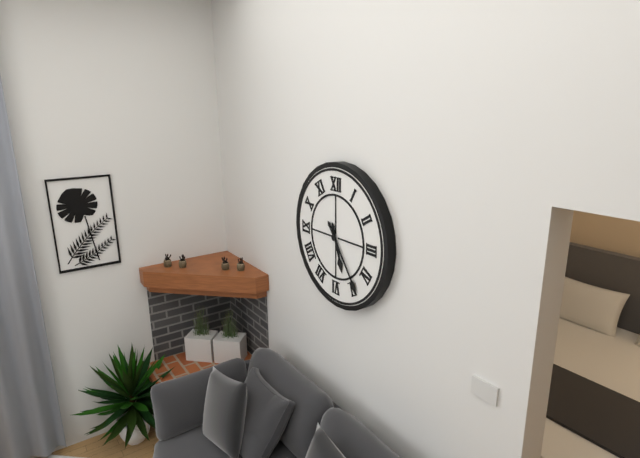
5:24
